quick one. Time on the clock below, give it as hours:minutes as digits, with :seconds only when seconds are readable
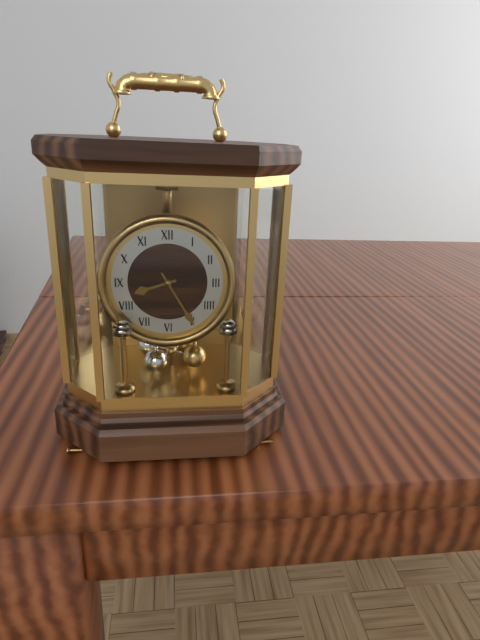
8:25
